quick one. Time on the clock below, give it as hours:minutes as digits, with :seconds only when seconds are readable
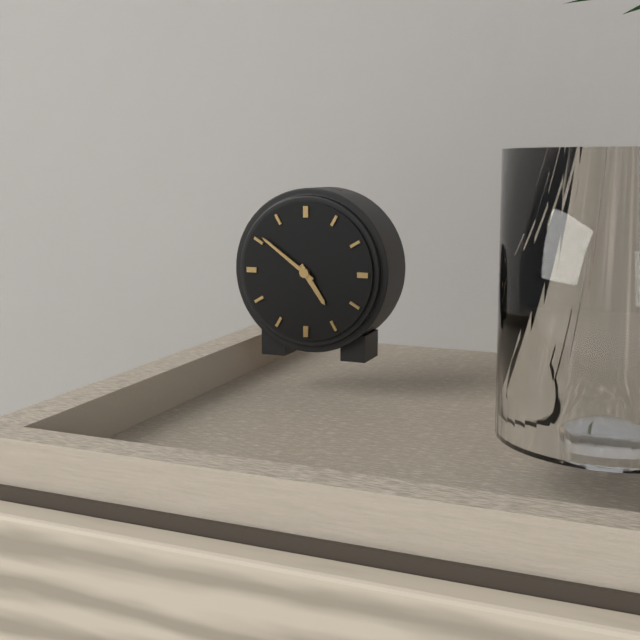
4:51
